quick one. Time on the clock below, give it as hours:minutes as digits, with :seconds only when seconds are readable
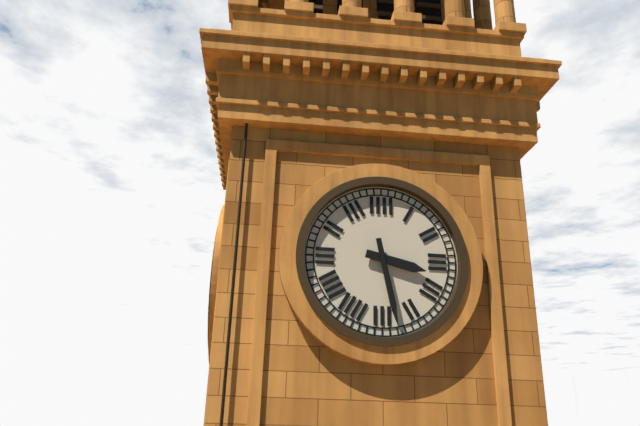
3:28
